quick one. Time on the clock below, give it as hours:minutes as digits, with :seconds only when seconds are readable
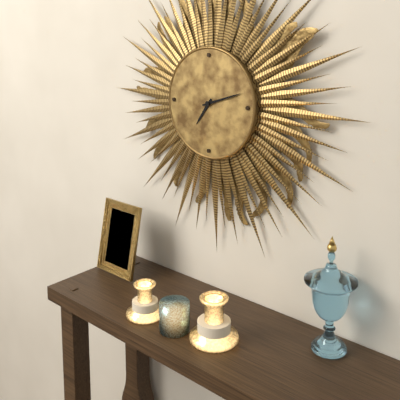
7:12
